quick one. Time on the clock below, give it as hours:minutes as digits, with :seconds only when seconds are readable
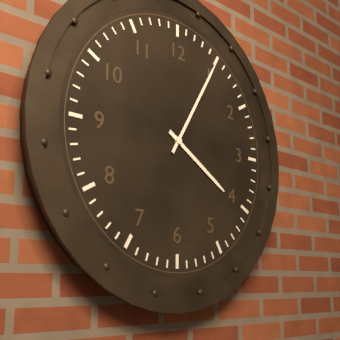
4:05
